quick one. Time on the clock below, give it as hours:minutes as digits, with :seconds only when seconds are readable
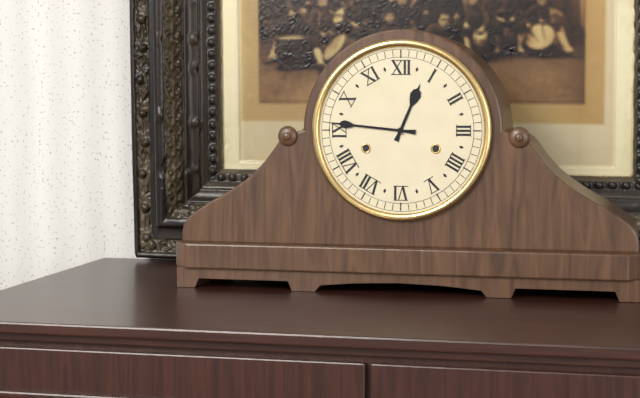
12:46
